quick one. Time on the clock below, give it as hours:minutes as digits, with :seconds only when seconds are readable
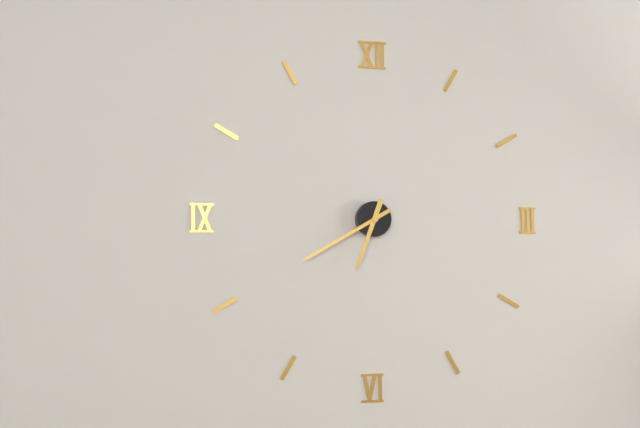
6:40
